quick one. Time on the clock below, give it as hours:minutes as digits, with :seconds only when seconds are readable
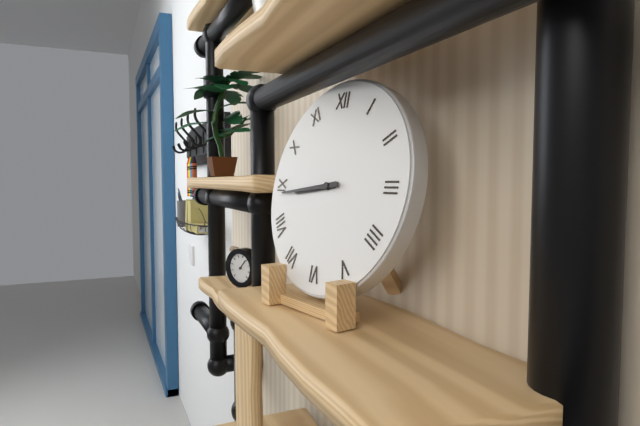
8:44
